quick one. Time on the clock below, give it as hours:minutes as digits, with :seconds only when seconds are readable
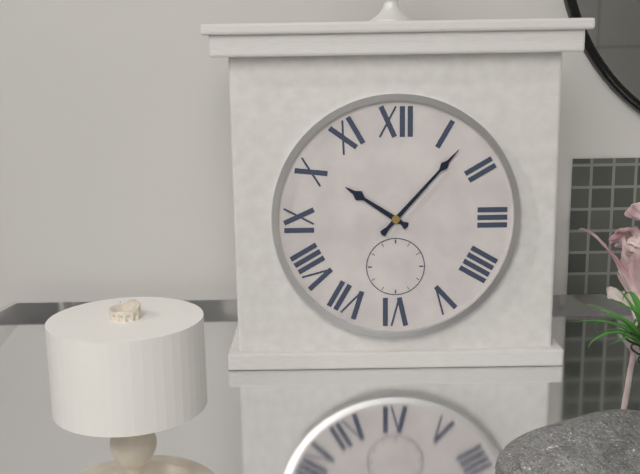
10:07
